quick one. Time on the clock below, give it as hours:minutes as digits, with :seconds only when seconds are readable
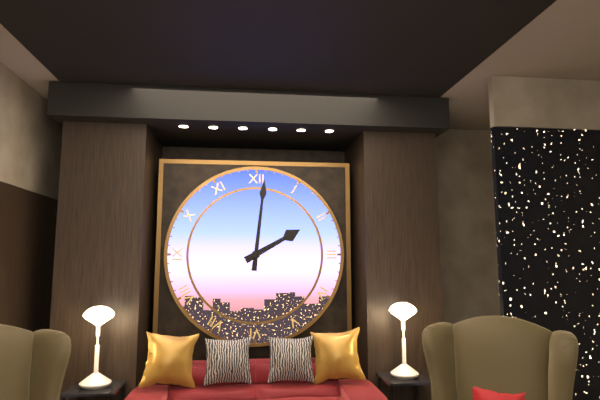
2:01
